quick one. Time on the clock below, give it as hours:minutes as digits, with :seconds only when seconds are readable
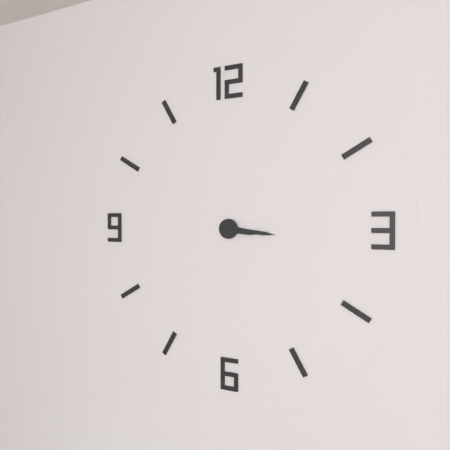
3:16
